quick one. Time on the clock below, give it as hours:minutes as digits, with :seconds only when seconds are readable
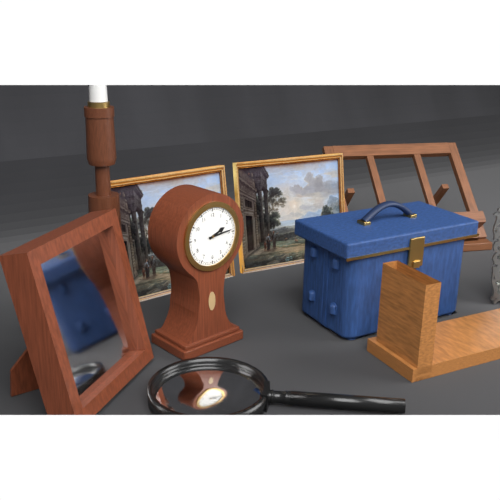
2:14
